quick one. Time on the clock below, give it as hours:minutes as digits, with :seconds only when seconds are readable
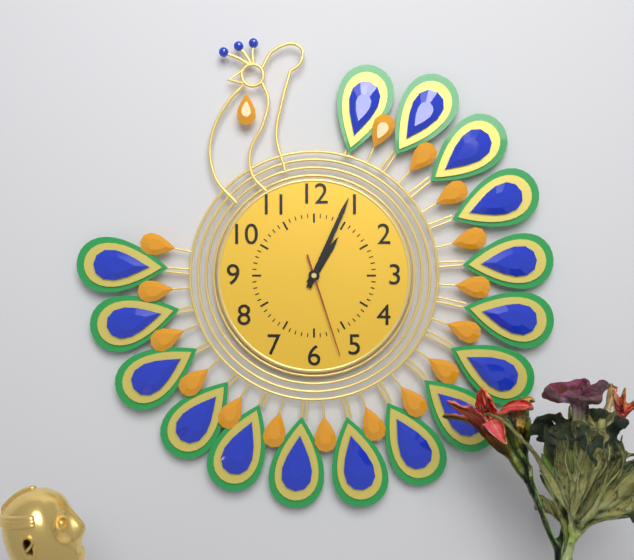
1:04:27
